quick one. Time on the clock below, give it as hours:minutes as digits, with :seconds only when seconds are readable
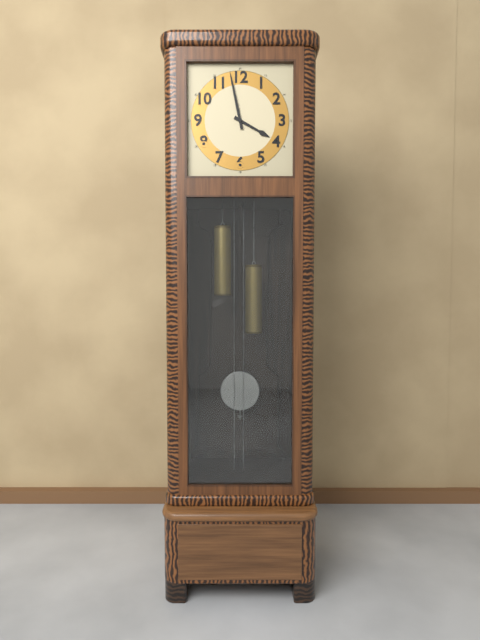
3:58
